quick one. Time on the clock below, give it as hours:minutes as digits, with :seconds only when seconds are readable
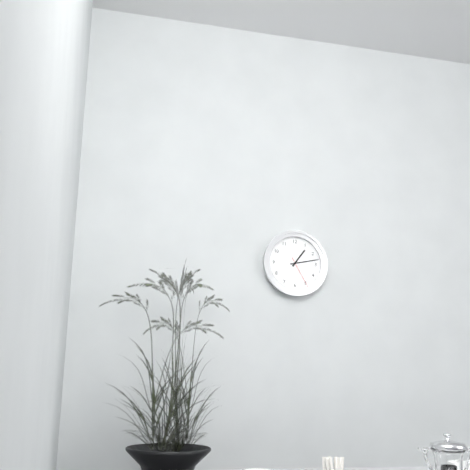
1:13
